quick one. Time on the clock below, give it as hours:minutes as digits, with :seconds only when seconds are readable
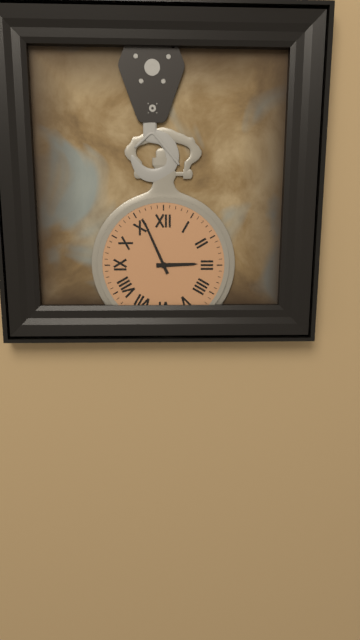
2:56
